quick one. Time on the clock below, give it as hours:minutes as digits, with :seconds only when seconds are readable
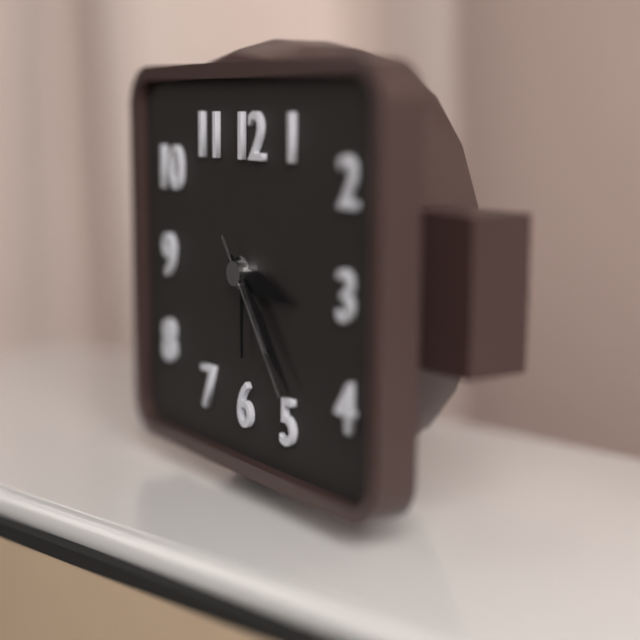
3:23:24
